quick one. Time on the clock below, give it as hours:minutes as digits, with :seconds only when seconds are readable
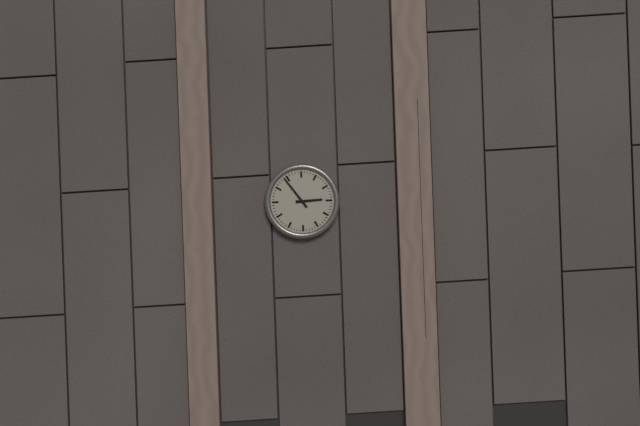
2:54
